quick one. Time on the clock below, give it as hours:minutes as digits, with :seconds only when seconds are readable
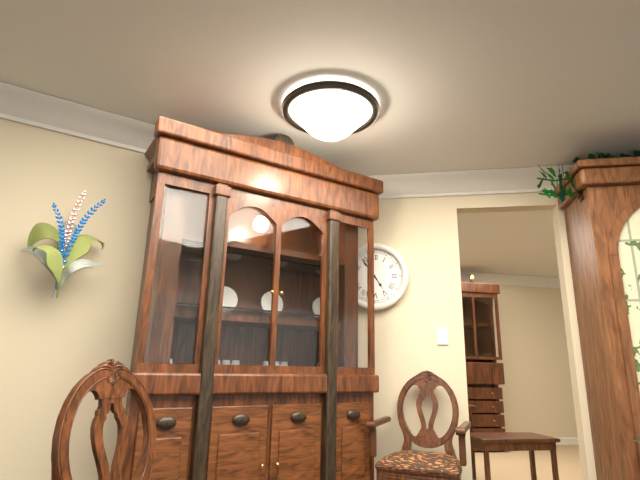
4:54
